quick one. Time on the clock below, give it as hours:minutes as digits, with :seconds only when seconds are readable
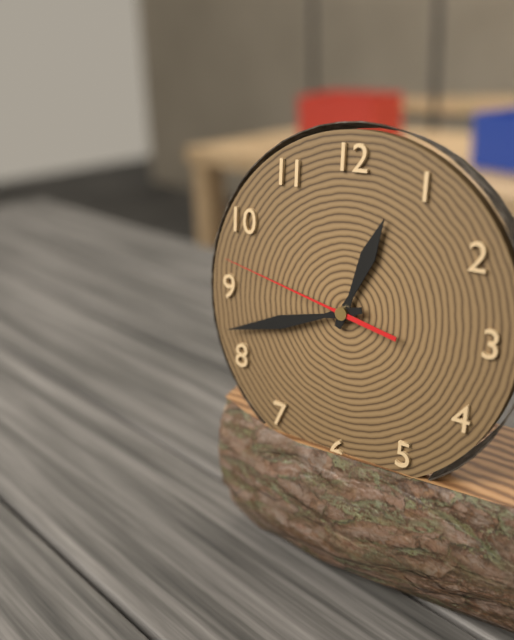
12:42:47
